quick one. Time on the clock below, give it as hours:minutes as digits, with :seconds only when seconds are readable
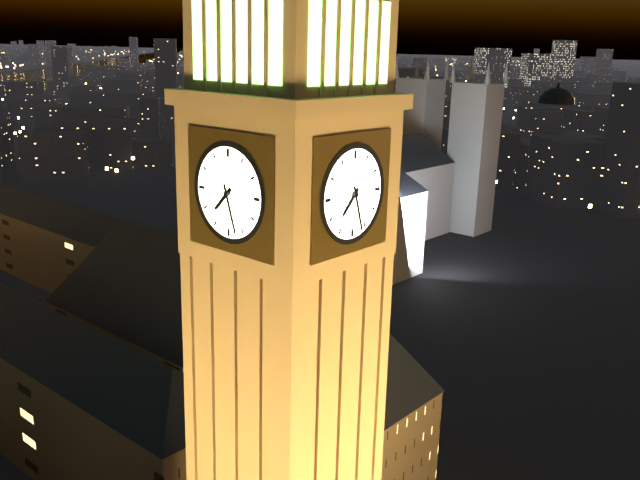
7:27
